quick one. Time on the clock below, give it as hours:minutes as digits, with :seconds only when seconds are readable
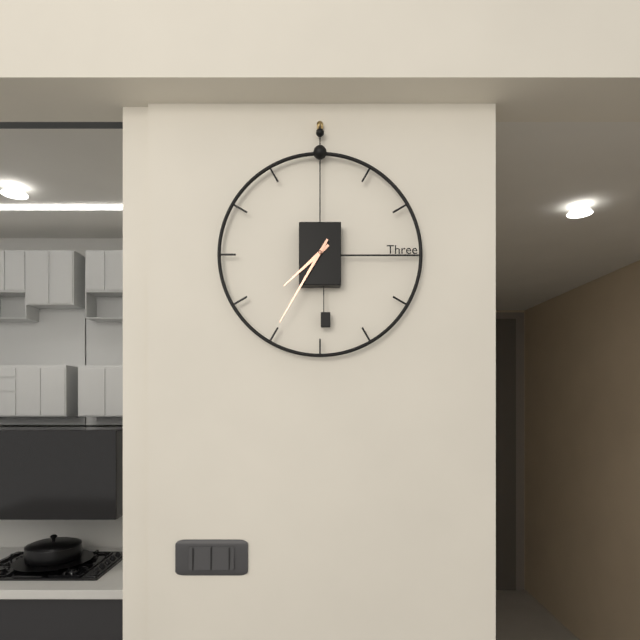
7:35
